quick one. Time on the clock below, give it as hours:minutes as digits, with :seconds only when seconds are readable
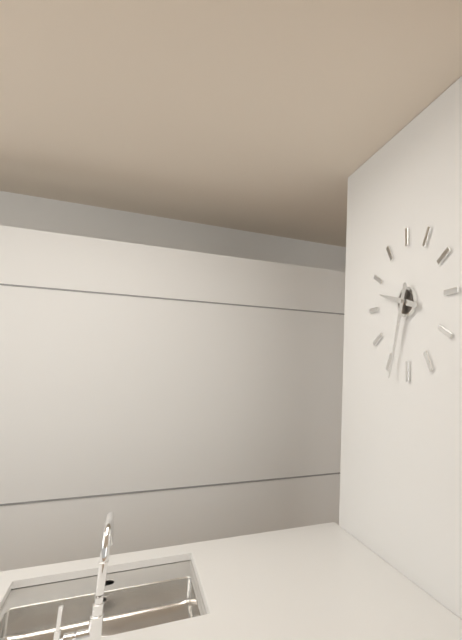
9:33
